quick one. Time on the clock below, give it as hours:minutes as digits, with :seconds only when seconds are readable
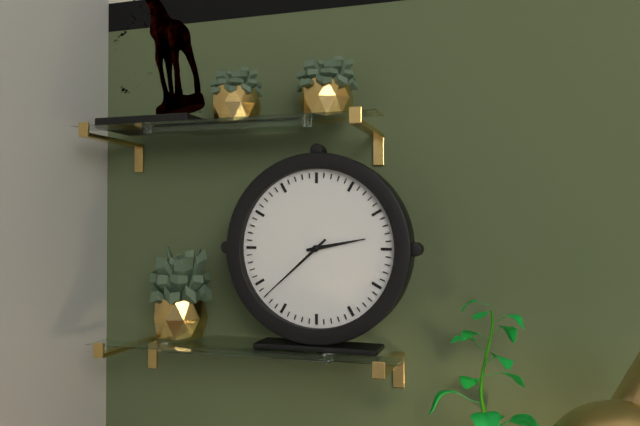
2:38
